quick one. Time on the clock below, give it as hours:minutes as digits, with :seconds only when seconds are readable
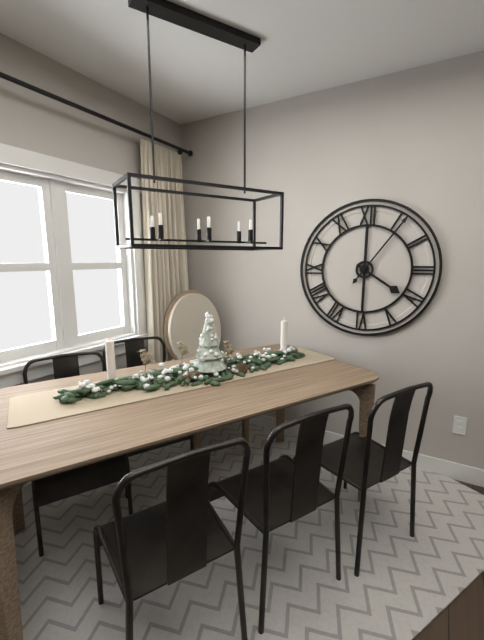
4:06
